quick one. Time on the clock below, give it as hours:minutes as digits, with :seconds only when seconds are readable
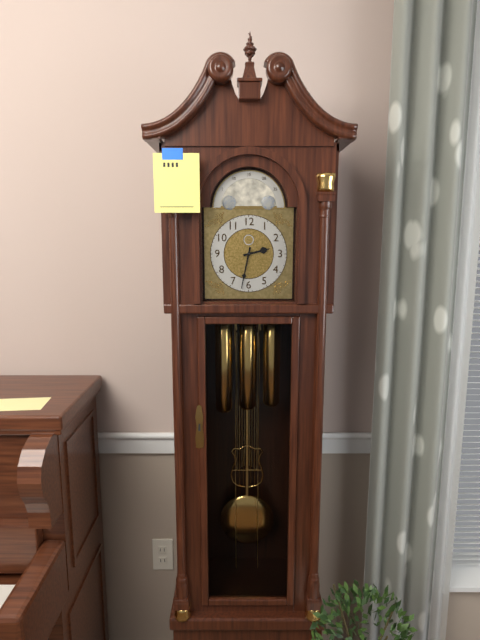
2:32
